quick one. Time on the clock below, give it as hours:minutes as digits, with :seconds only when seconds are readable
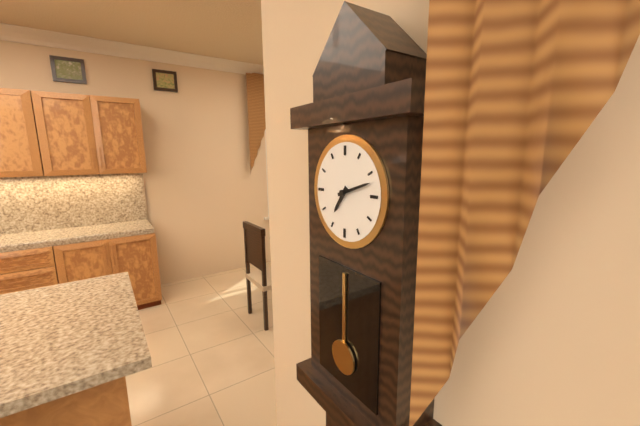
7:12
